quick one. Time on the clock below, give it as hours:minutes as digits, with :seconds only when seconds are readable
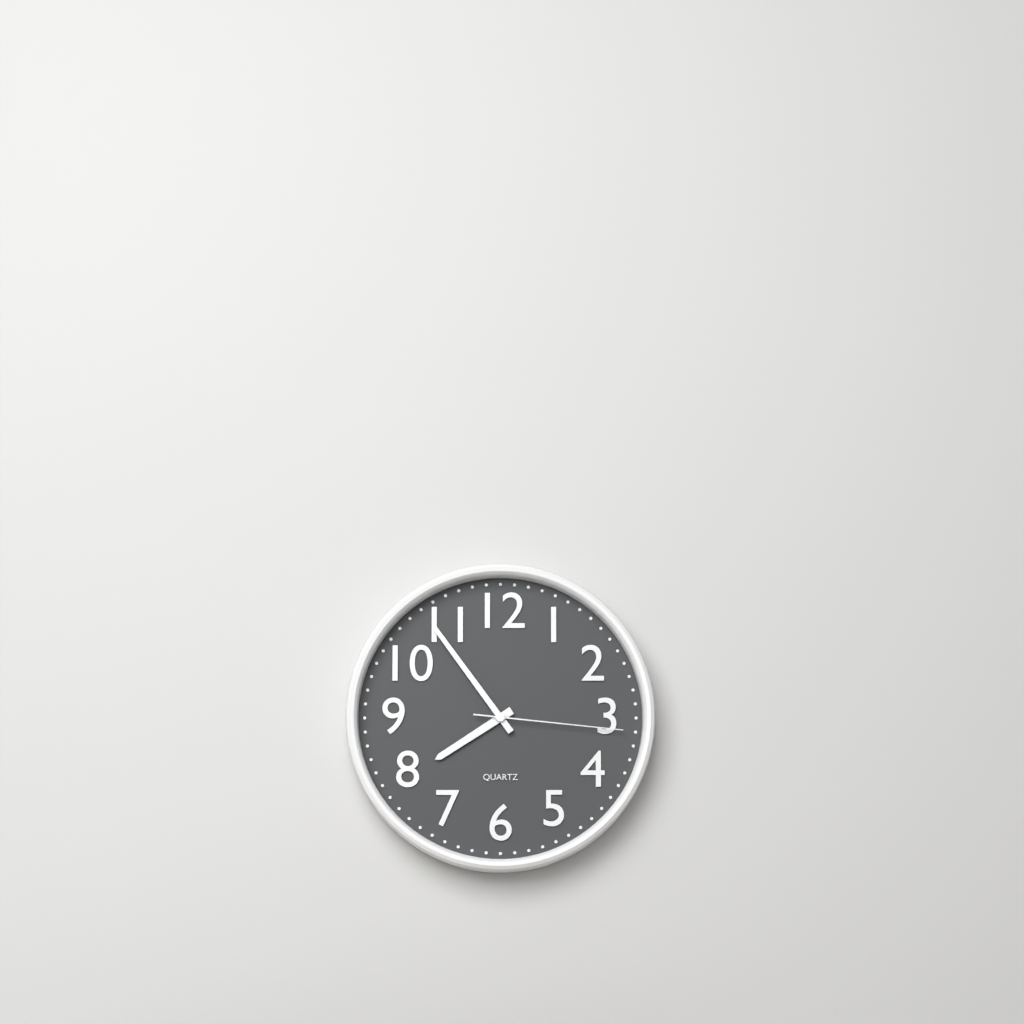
7:54:16
